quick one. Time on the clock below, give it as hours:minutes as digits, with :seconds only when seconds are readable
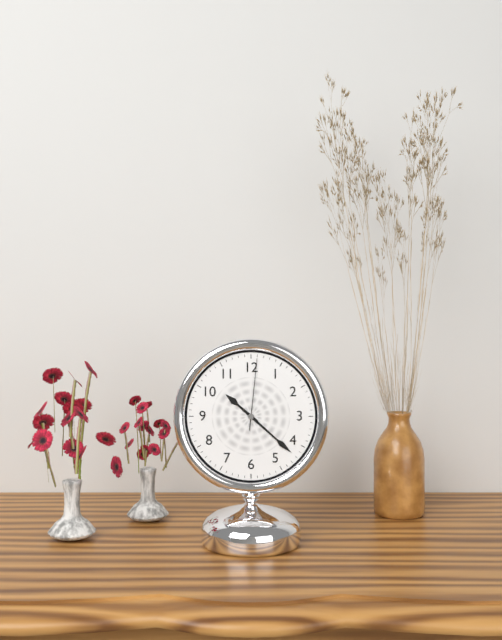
10:22:01
